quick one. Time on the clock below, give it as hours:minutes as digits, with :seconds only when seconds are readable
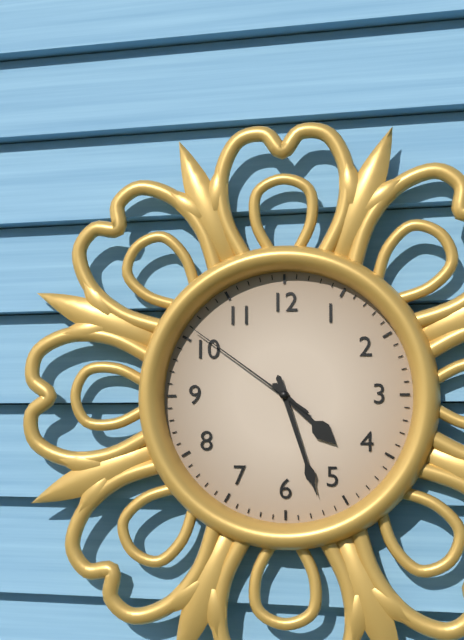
4:27:51
